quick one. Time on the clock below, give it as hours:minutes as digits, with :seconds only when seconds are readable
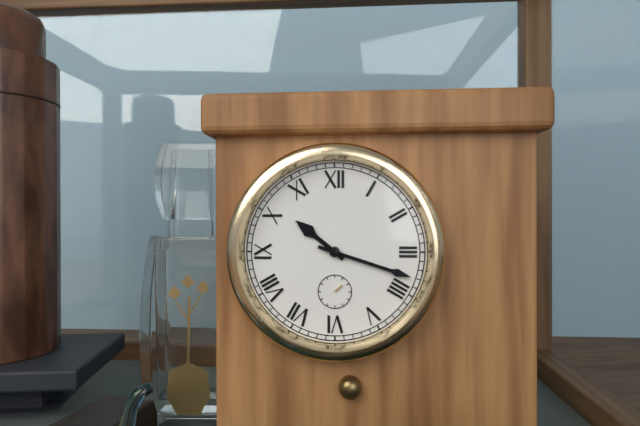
10:18
